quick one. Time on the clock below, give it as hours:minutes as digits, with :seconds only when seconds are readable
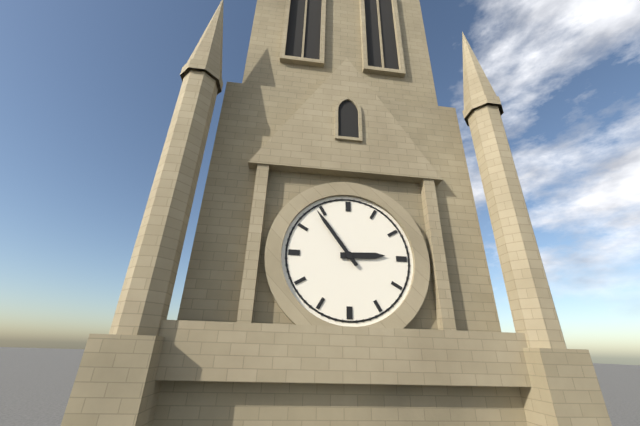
2:54
